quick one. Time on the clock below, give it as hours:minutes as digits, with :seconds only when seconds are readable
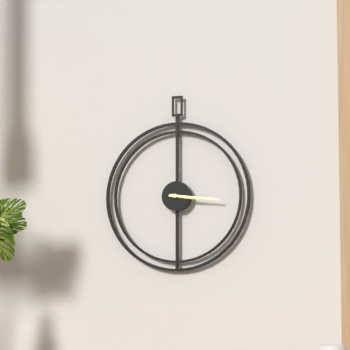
3:16
